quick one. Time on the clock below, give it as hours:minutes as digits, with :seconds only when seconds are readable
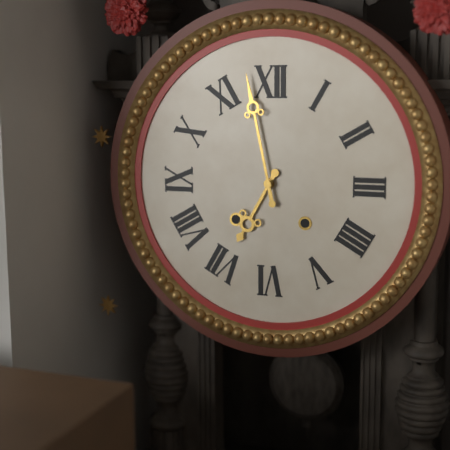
6:58
